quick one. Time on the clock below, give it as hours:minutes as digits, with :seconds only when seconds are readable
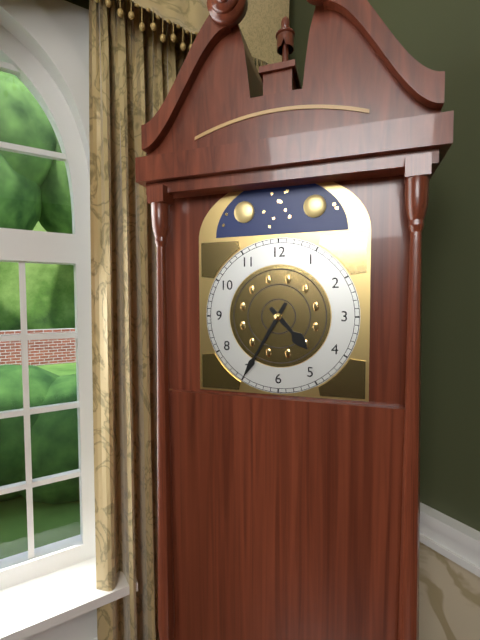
4:35
